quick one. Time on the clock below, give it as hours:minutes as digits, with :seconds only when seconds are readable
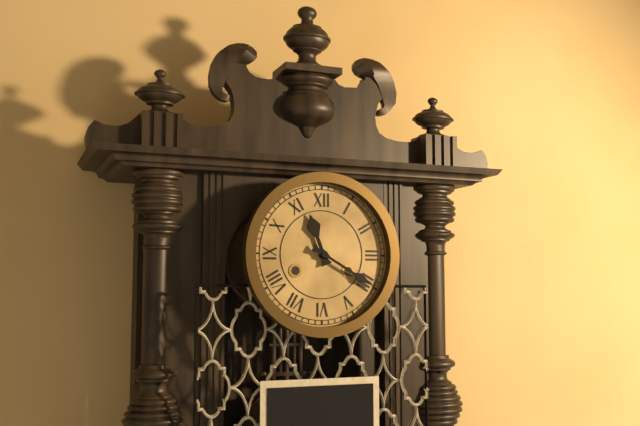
11:20
